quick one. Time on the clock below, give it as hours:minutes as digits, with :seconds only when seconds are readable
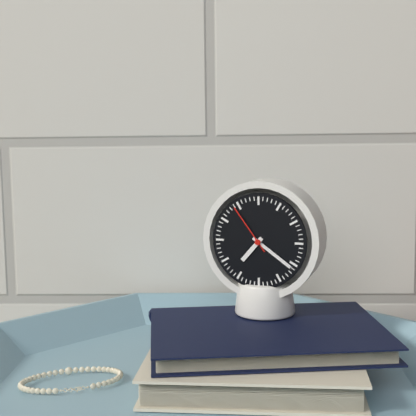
7:21:54
